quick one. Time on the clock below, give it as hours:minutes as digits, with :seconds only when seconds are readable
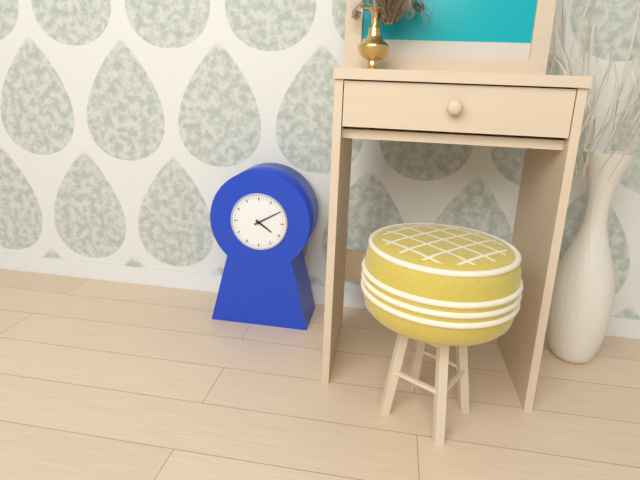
4:10
